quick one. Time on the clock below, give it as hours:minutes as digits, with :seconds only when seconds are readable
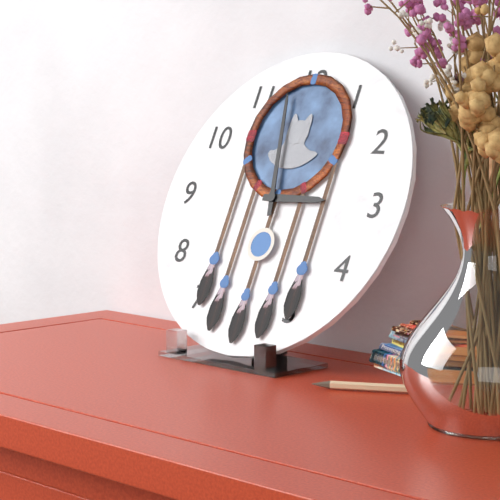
2:58
